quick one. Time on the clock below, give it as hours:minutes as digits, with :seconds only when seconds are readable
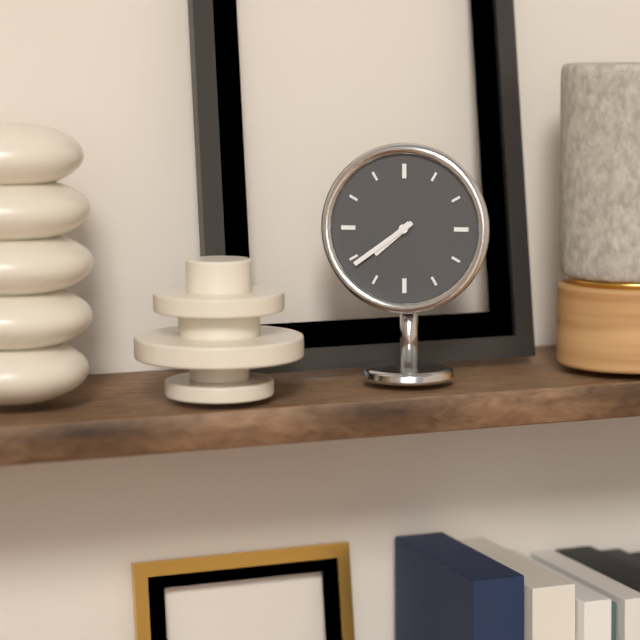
7:39
